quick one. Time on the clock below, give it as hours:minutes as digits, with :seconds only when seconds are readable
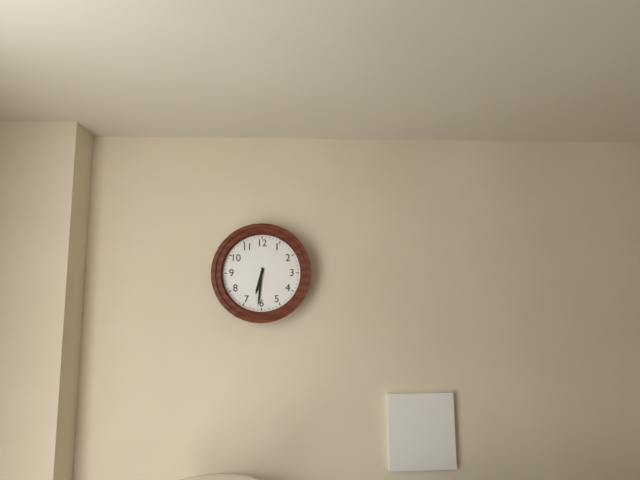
6:31
